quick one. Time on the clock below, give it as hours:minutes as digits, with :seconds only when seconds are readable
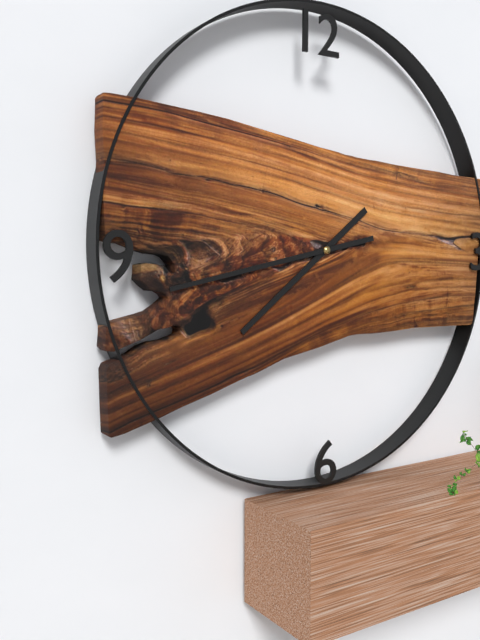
7:43
